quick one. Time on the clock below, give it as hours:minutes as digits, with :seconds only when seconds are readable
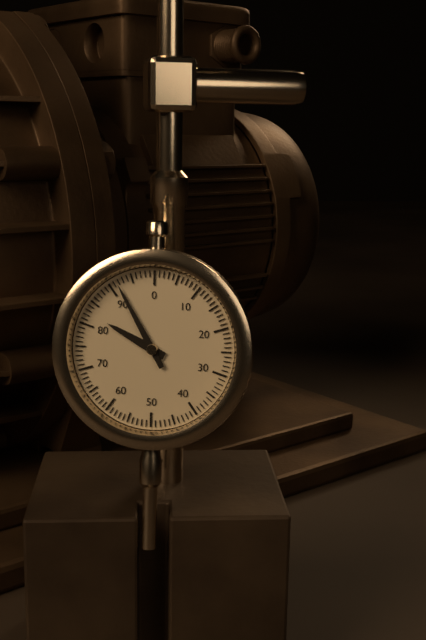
9:55
